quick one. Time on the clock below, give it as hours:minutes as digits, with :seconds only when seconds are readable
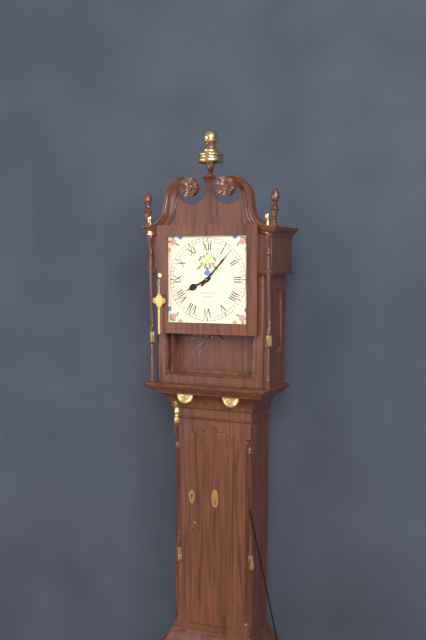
8:07
